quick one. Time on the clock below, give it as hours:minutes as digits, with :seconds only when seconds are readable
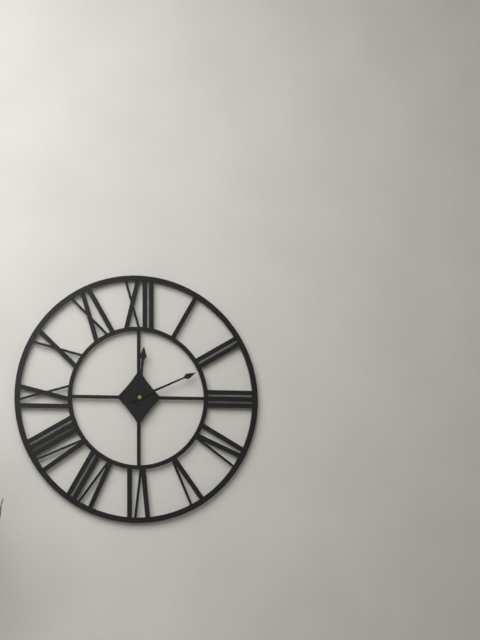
12:11
